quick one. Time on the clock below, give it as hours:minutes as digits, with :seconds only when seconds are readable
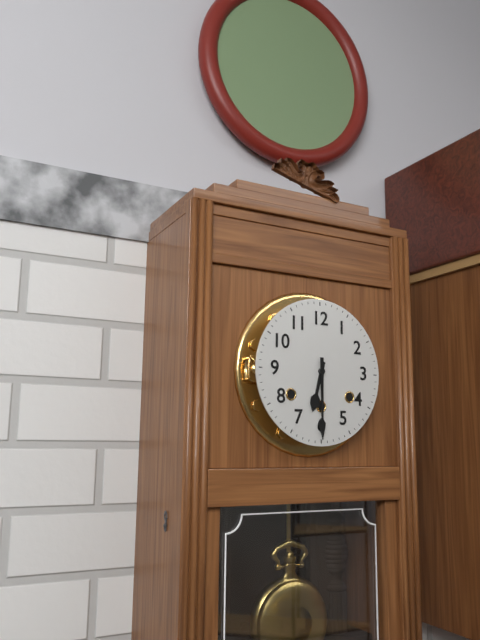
6:30
